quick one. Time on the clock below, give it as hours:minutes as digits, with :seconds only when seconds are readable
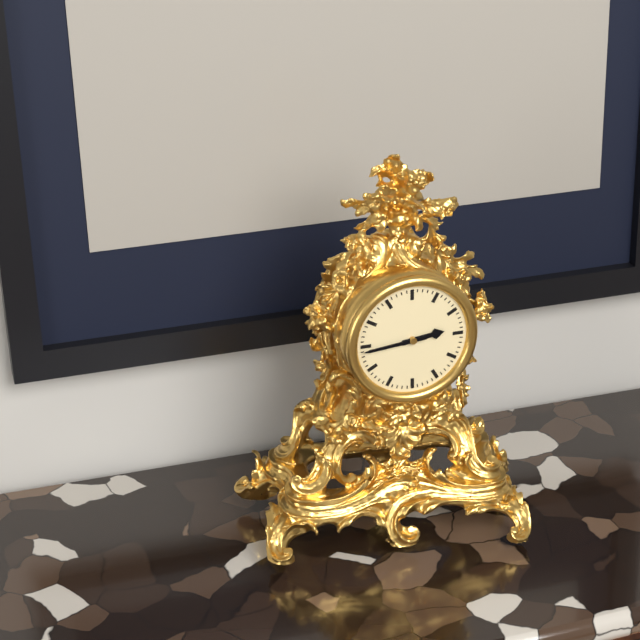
2:44
